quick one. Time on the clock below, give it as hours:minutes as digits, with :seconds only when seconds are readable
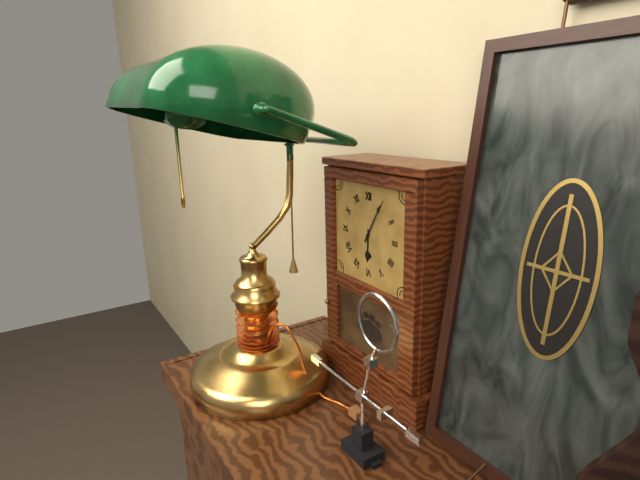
6:05
